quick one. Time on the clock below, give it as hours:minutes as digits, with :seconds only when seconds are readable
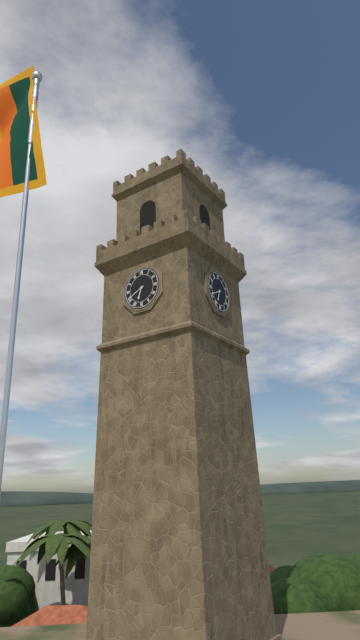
6:41
